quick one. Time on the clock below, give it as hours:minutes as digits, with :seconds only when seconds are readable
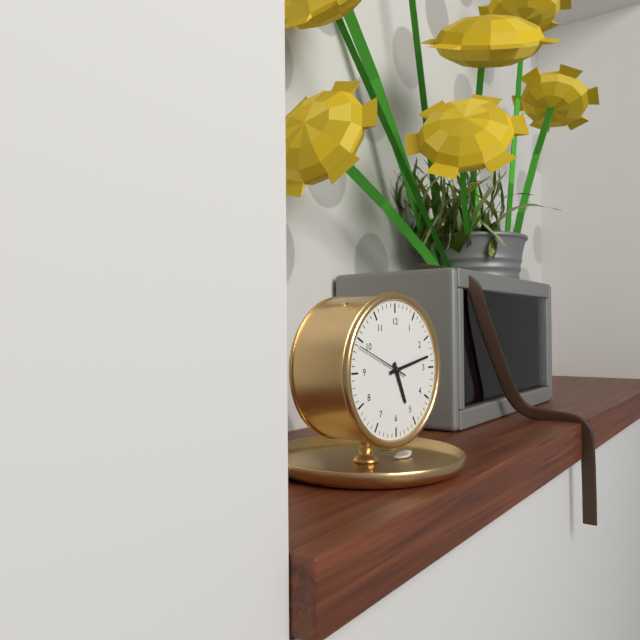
5:13:49
